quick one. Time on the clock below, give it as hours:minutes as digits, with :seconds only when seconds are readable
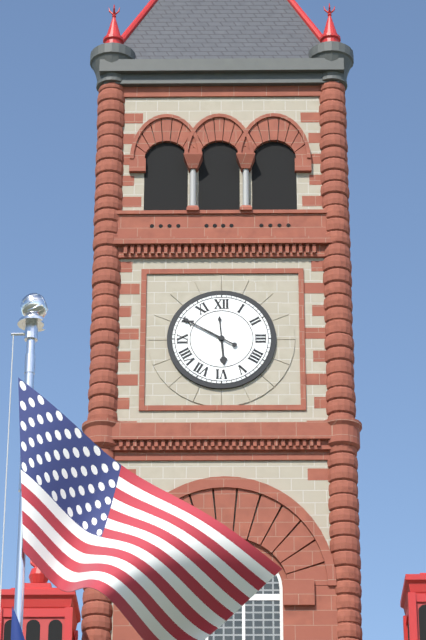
5:50
